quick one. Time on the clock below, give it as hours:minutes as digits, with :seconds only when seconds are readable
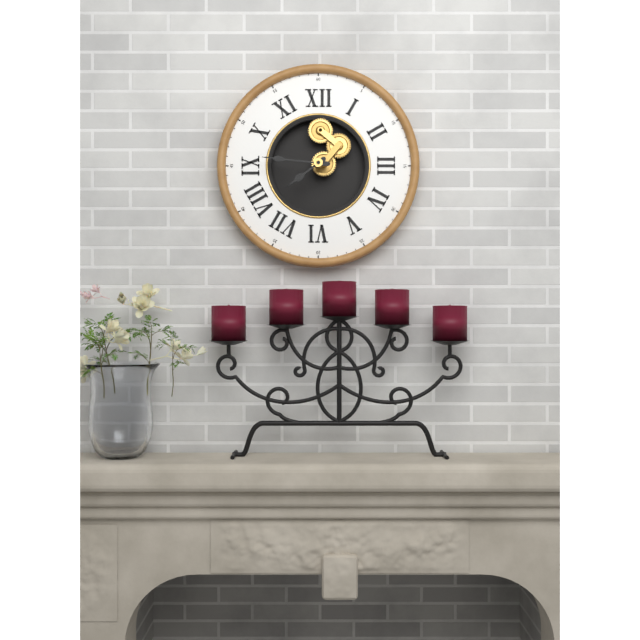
7:46
